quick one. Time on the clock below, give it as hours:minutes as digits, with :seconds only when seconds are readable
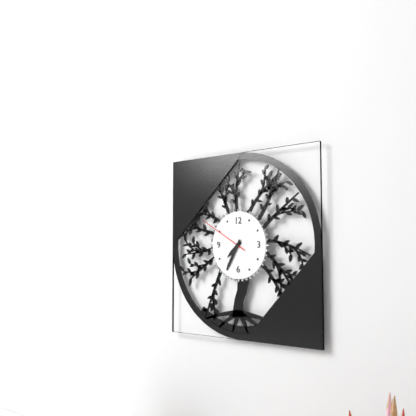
7:35:50
